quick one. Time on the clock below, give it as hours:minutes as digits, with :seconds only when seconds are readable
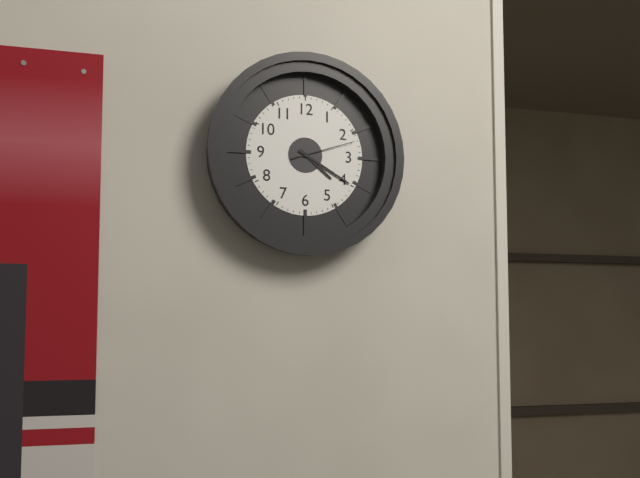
4:20:12
